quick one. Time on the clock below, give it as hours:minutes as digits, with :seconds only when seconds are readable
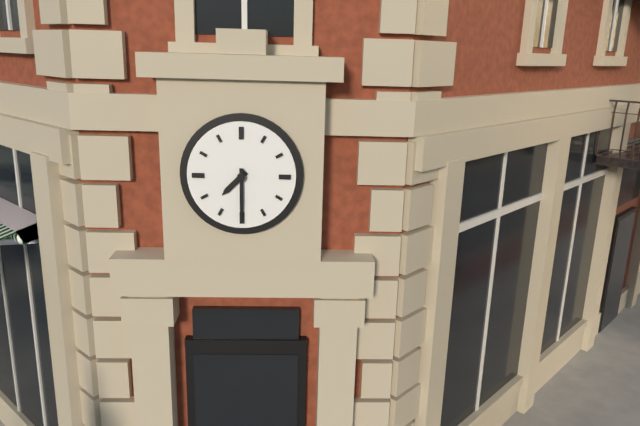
7:30
